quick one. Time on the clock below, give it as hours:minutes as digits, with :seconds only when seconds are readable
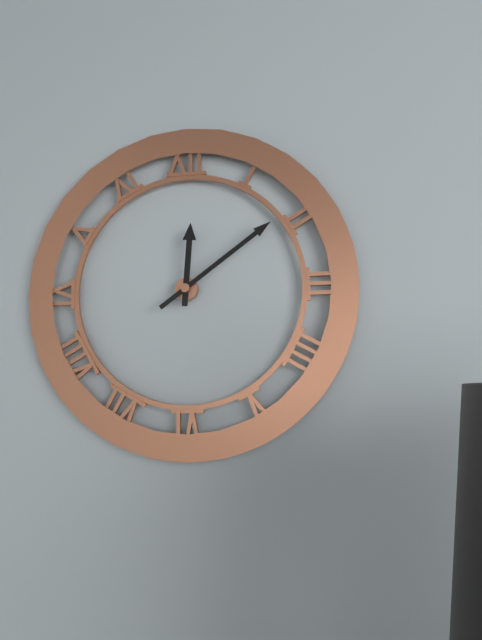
12:09
